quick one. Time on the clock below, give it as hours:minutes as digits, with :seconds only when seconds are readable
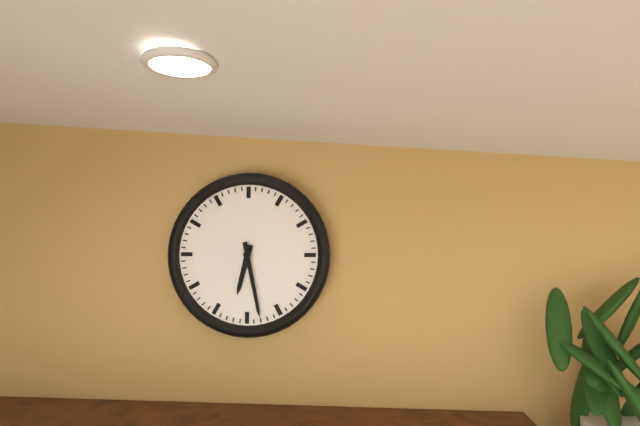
6:28
